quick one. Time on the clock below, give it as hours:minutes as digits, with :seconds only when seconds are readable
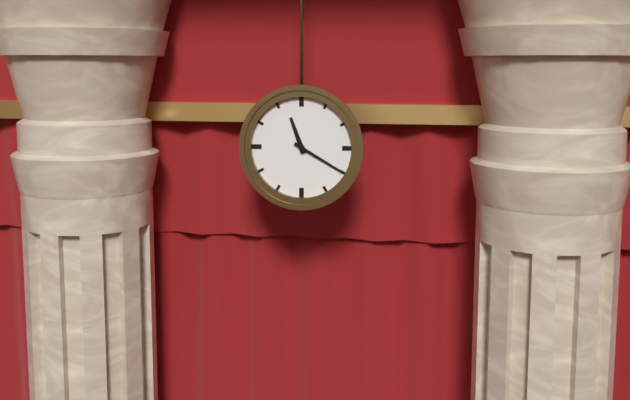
11:20
